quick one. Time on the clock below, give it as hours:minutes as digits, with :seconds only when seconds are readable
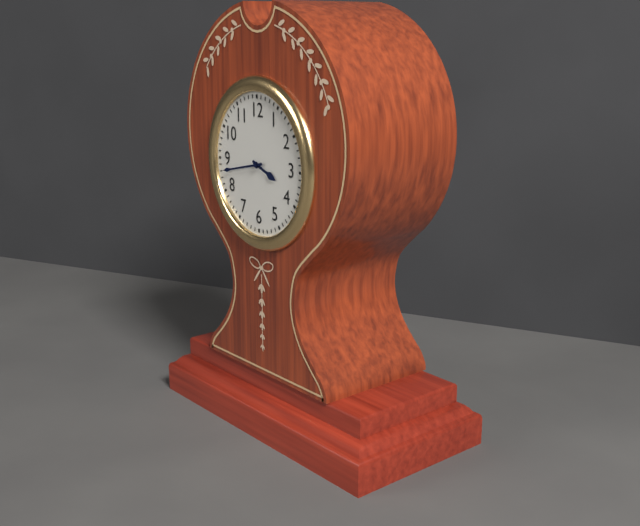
3:43
